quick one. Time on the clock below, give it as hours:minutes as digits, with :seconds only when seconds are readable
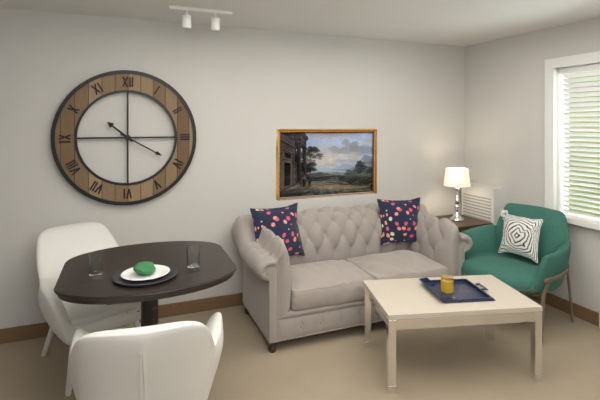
10:20
